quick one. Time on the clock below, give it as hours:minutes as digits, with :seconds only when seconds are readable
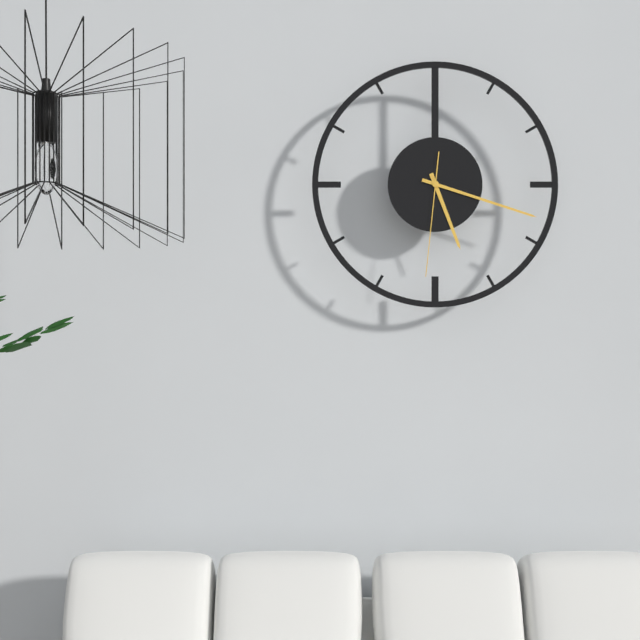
5:18:31
